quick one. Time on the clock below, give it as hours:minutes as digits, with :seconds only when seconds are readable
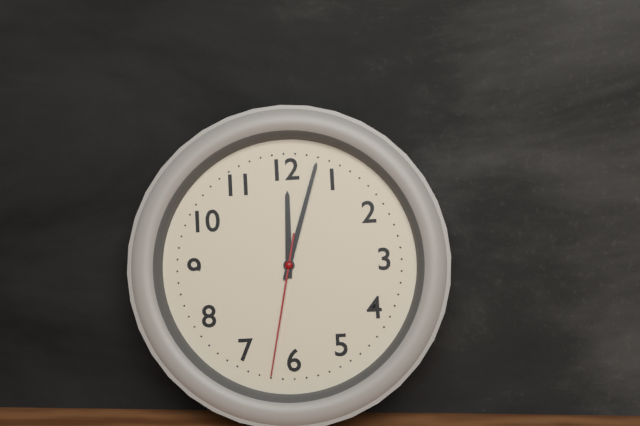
12:03:32
